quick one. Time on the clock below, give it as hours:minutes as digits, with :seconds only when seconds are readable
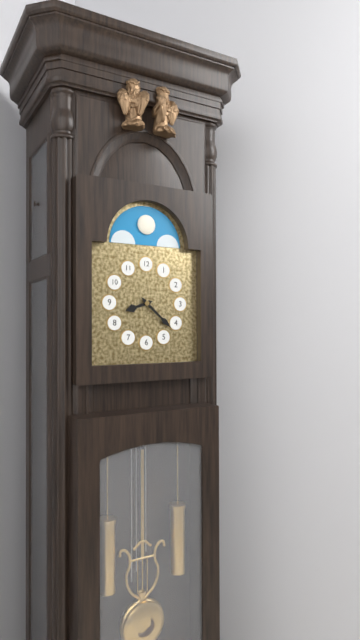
8:22
